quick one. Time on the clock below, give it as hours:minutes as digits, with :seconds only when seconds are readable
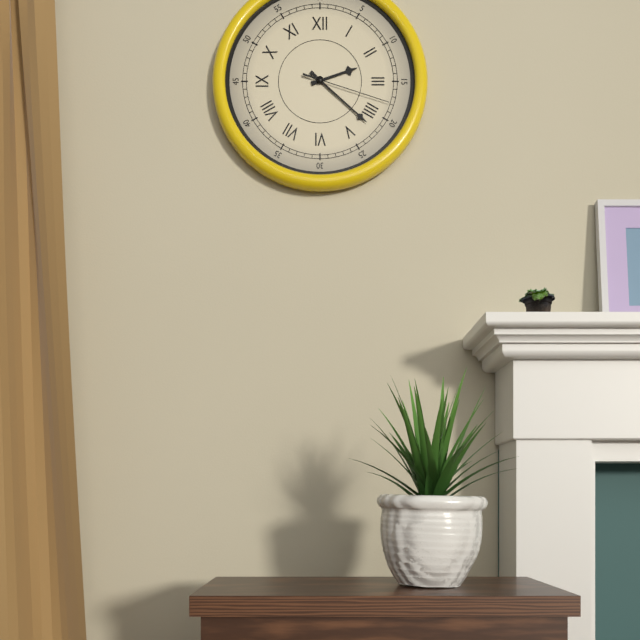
2:22:18
